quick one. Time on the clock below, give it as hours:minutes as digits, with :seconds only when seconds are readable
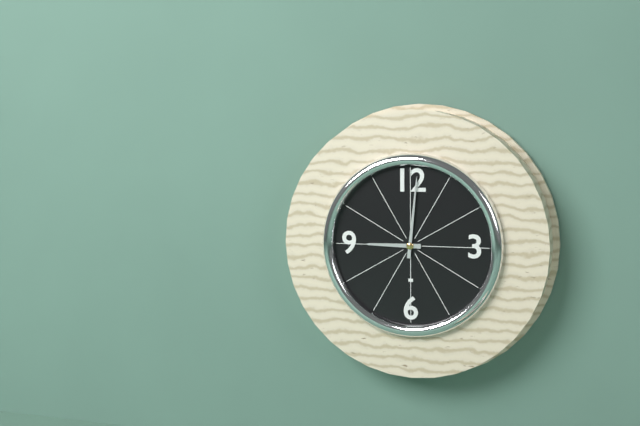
9:01
